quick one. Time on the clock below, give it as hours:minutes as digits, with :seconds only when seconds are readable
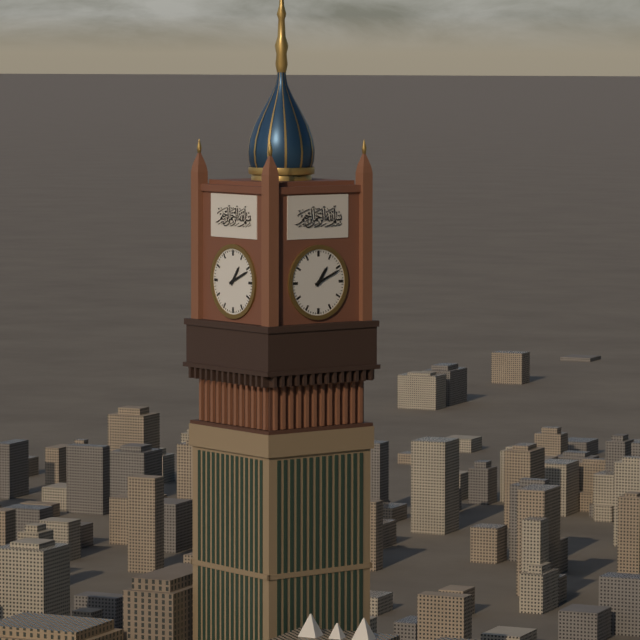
1:11
